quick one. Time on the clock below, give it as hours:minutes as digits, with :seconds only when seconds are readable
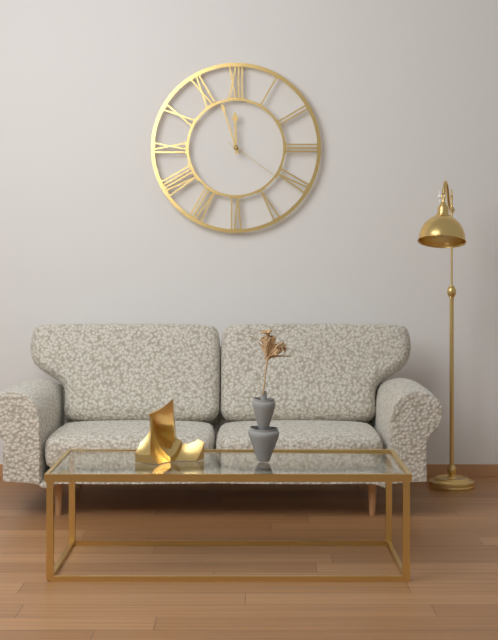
11:57:21
